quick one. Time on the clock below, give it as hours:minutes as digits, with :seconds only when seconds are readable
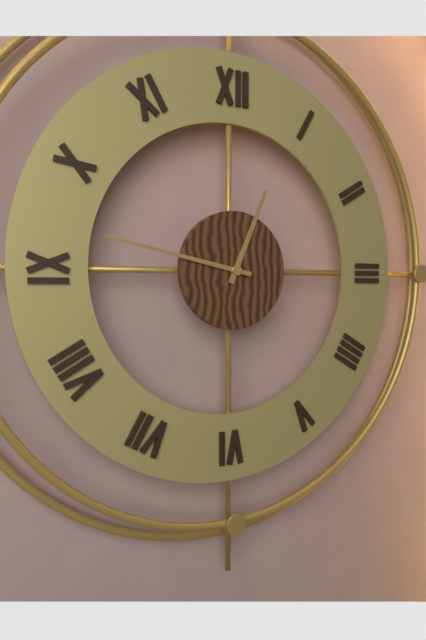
12:47
